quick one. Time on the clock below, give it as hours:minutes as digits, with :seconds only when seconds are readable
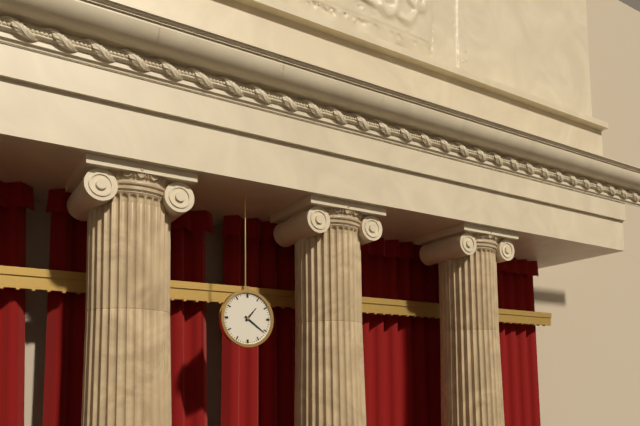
1:21
